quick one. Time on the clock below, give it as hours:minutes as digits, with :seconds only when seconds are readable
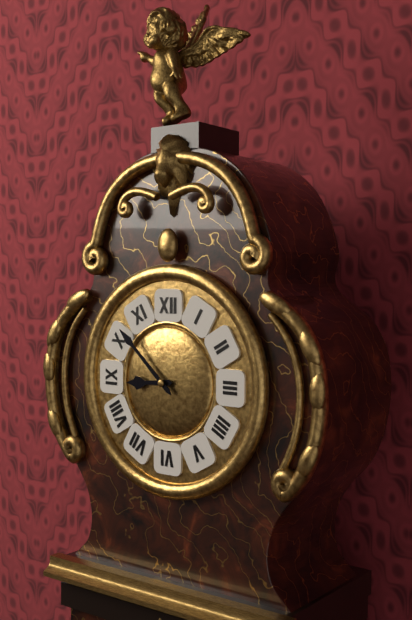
8:52
